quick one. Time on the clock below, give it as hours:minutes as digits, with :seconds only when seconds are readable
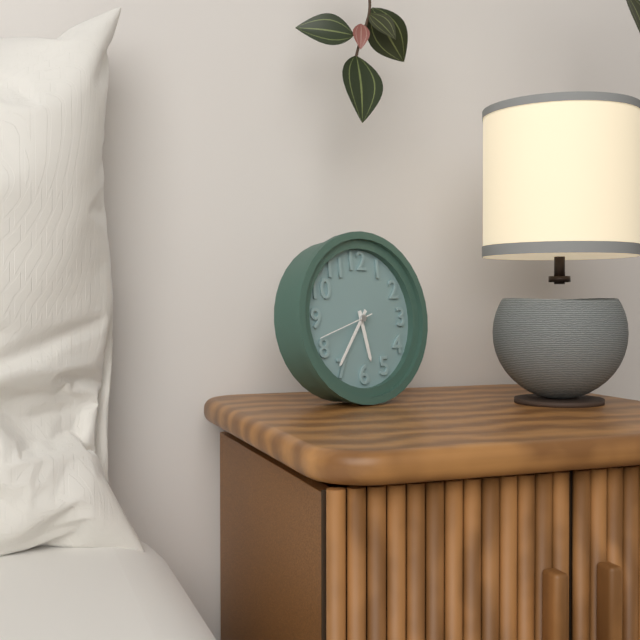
5:36:42
